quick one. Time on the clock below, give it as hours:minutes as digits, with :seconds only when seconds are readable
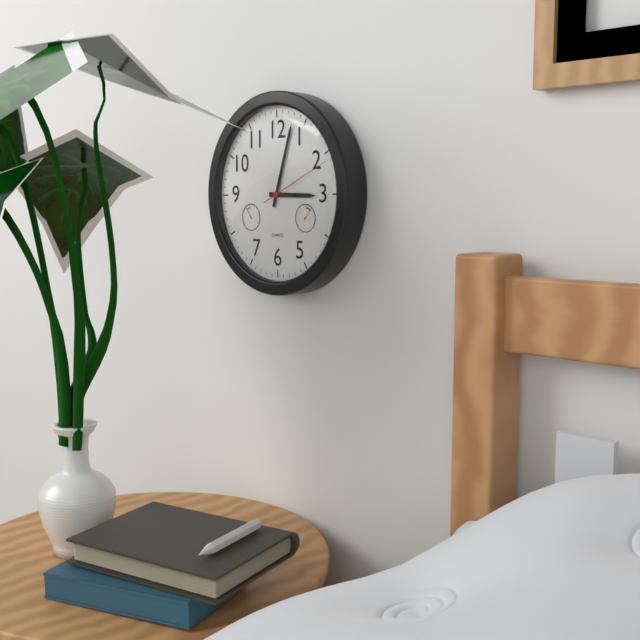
3:03:11
